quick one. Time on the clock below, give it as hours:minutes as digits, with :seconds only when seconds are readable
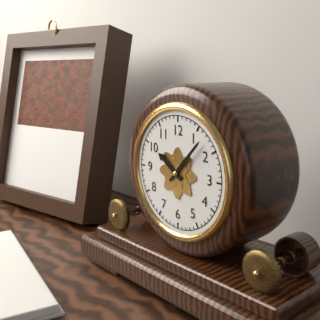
10:07
